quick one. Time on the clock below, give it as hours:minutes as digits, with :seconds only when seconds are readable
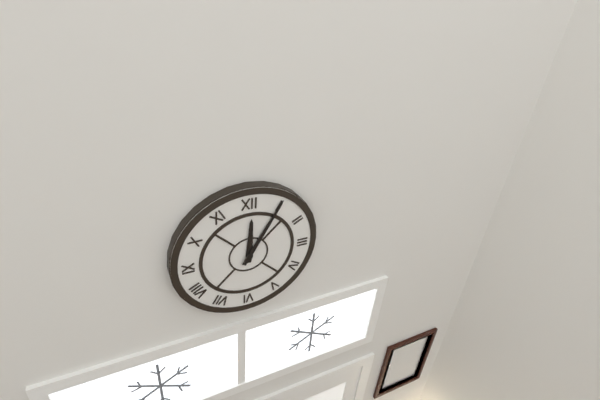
12:05
